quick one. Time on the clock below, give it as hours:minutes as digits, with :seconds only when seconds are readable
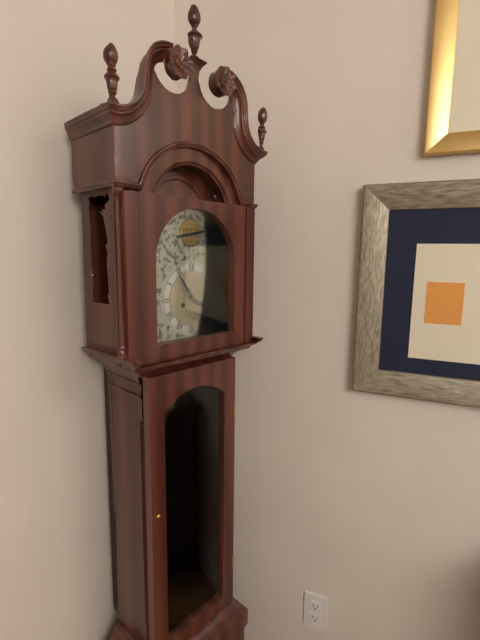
3:54
